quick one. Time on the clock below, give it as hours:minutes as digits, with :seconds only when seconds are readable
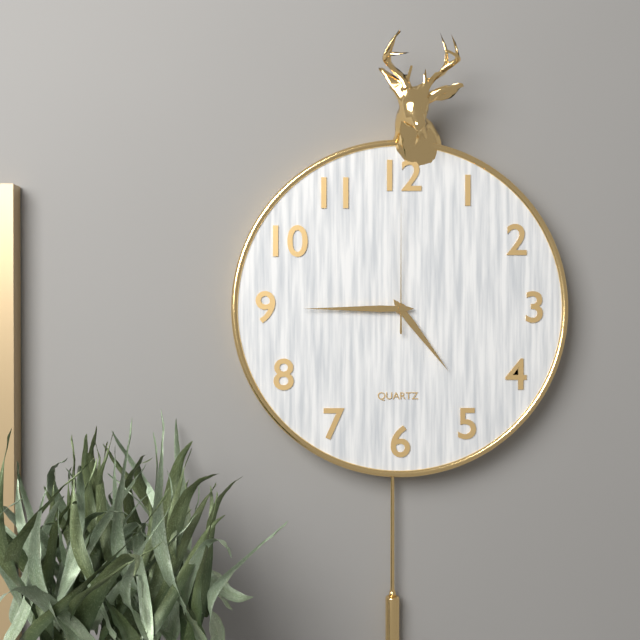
4:45:00
